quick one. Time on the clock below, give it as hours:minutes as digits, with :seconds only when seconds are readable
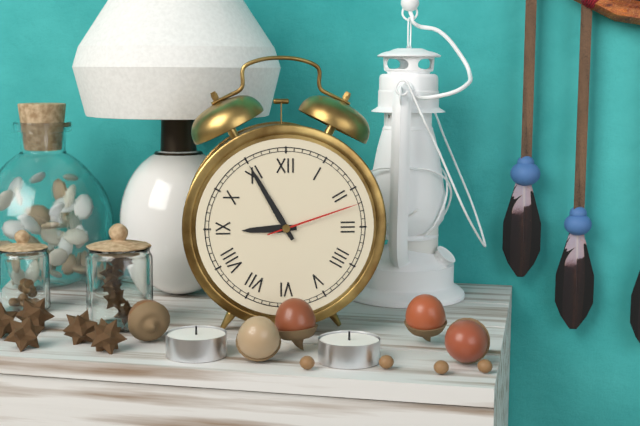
8:55:12
